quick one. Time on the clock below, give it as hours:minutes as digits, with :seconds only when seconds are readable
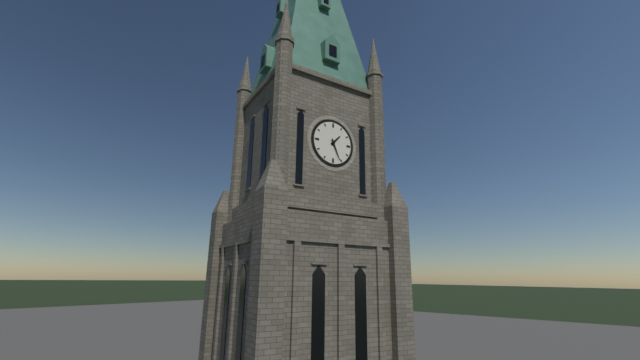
1:26
